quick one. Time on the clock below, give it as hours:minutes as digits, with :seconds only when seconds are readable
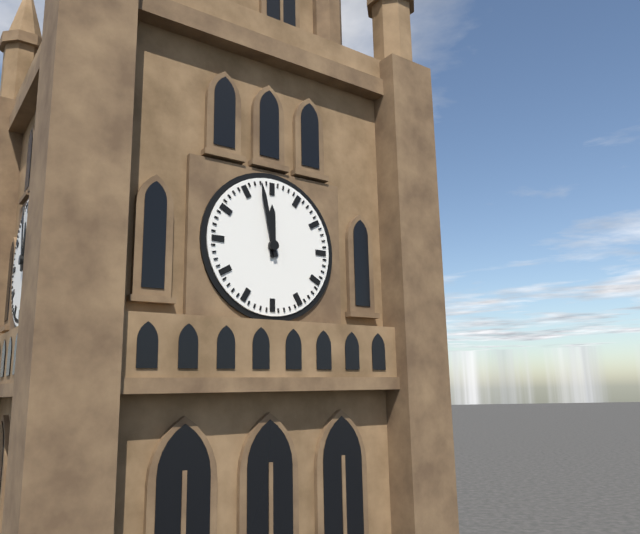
11:58
